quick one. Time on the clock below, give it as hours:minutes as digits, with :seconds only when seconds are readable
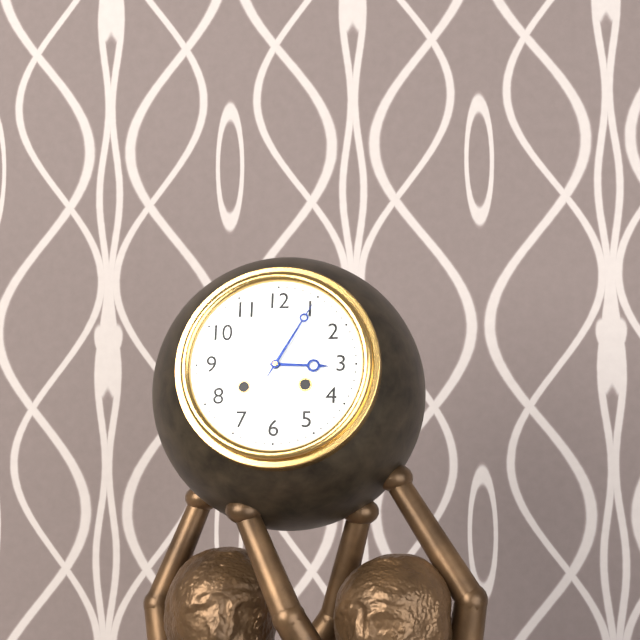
3:05
